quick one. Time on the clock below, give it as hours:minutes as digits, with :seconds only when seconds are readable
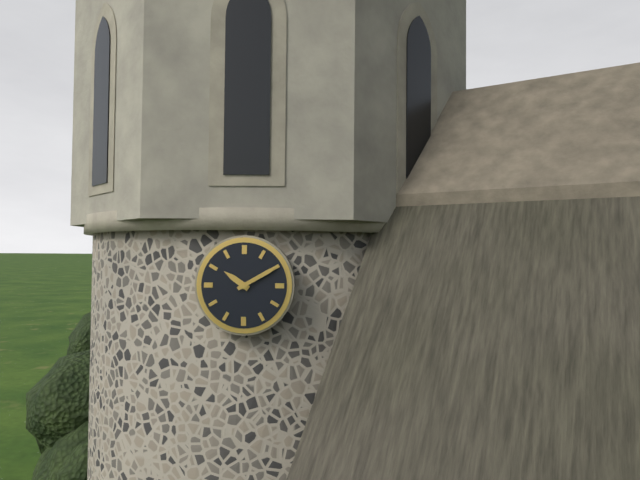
10:10
